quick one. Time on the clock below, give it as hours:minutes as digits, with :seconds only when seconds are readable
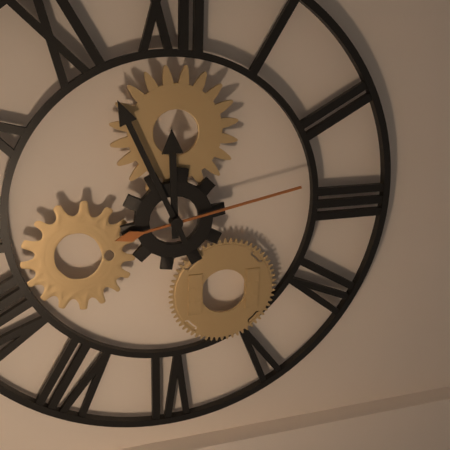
11:56:13
